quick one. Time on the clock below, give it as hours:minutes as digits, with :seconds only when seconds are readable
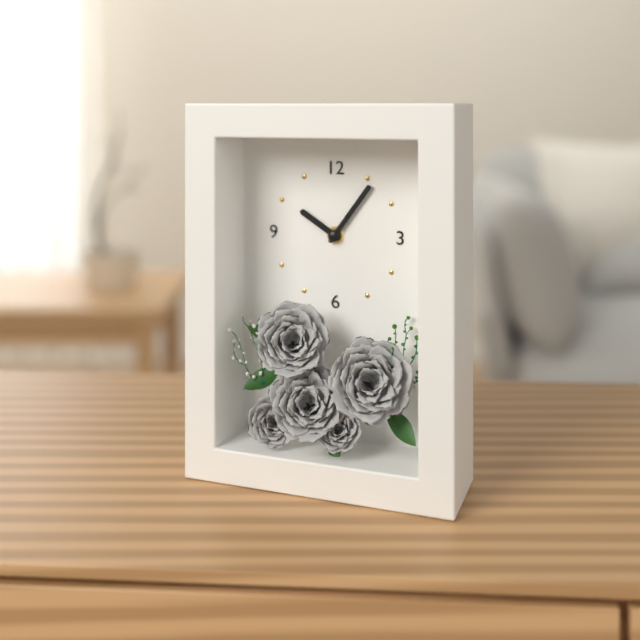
10:06
